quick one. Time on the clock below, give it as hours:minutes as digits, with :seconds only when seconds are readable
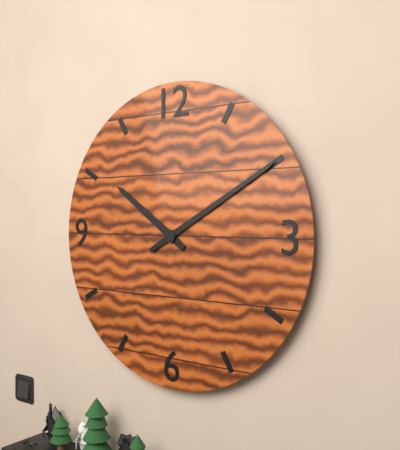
10:10
